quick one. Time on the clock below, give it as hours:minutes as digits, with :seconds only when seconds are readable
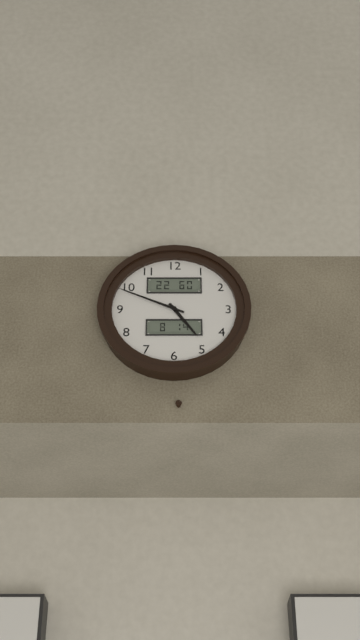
4:49
